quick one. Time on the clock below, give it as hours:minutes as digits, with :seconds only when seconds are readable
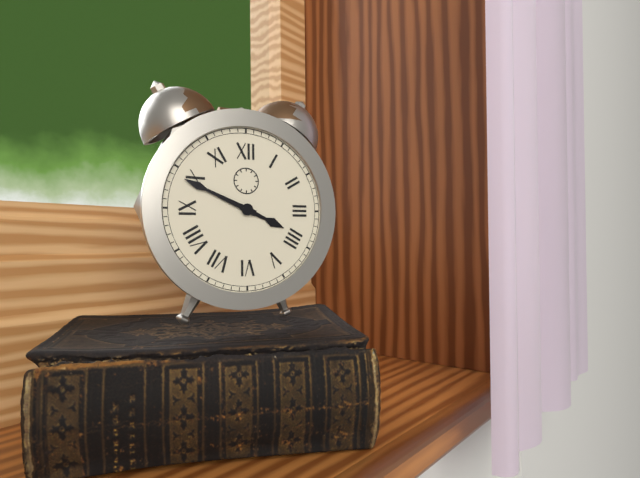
3:49
